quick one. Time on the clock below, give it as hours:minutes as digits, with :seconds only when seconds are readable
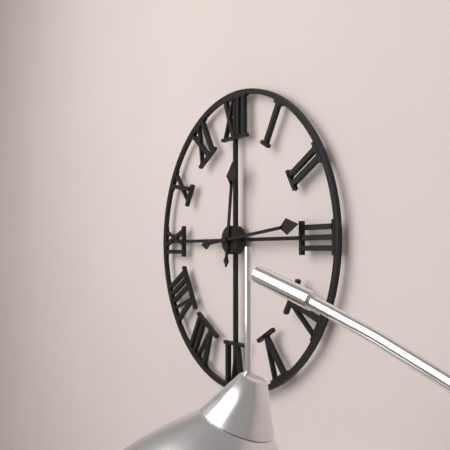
12:14
